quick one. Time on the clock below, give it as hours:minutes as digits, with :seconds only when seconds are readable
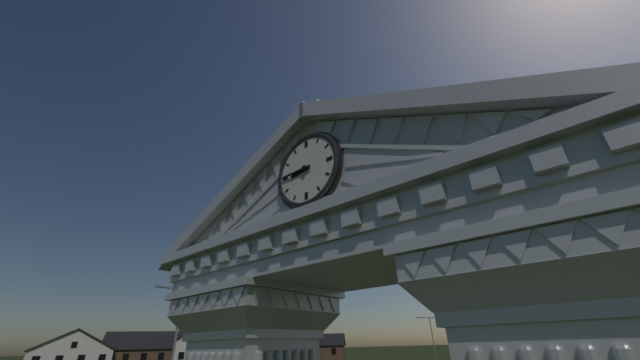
8:45
